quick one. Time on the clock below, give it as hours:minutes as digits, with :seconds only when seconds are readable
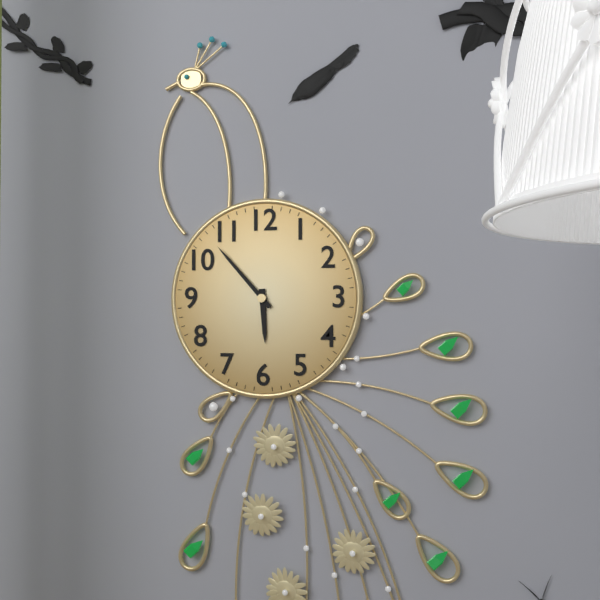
5:53
